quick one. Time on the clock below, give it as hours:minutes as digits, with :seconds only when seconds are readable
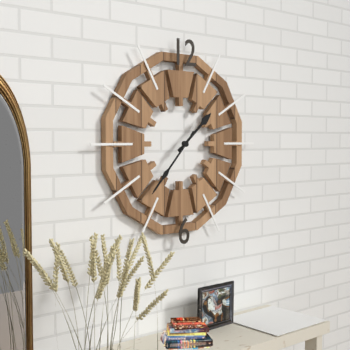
1:37
